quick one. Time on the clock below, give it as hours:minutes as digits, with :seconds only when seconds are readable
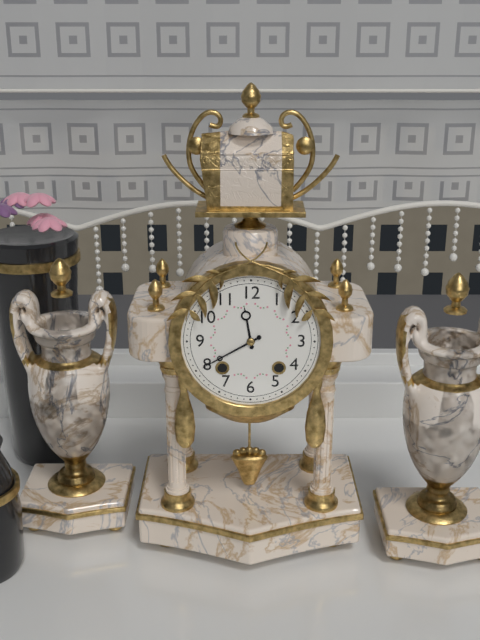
11:40
